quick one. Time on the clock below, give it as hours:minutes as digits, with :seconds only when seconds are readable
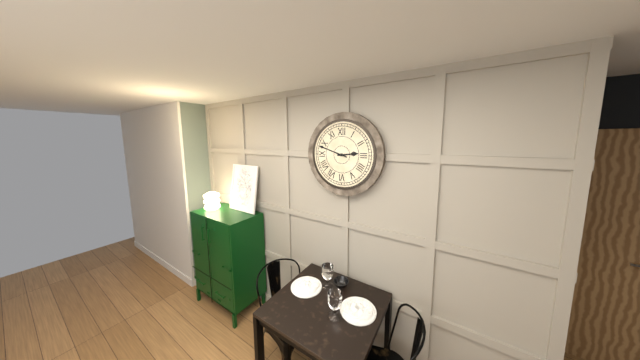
2:48
